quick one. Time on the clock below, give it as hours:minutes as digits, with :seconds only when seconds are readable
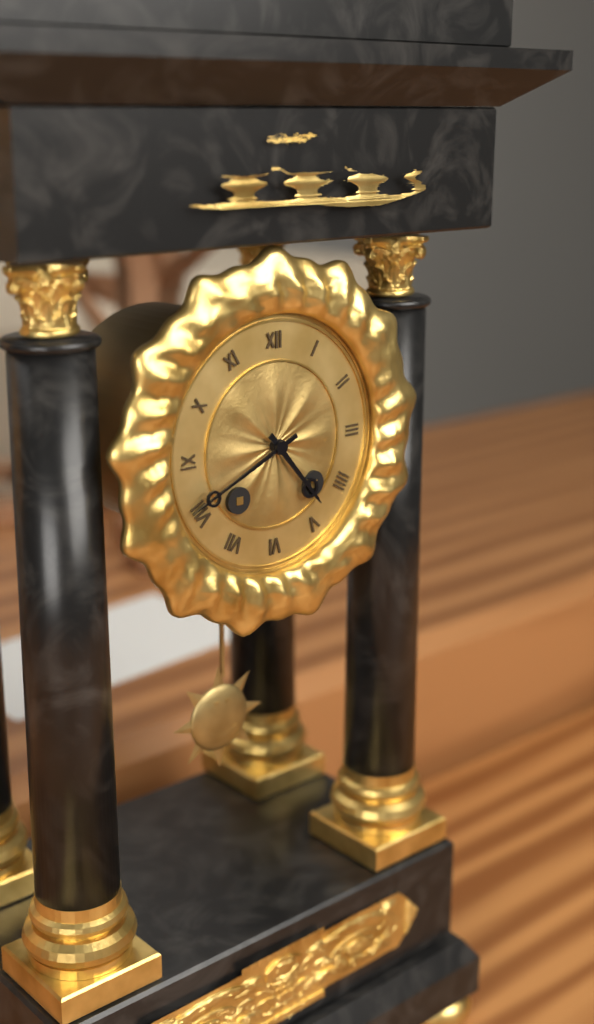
4:41
